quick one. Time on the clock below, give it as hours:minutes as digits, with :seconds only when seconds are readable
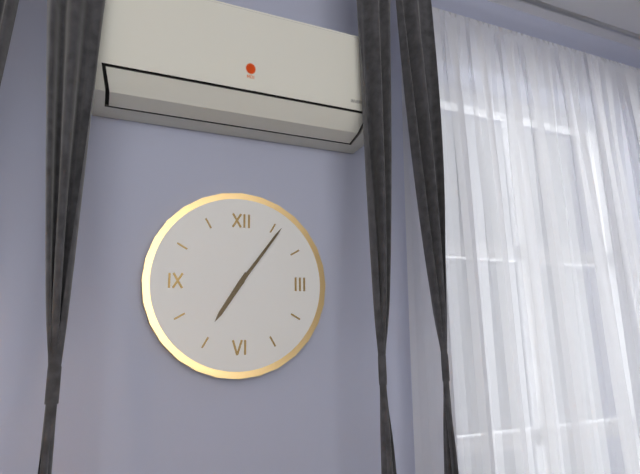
7:06
